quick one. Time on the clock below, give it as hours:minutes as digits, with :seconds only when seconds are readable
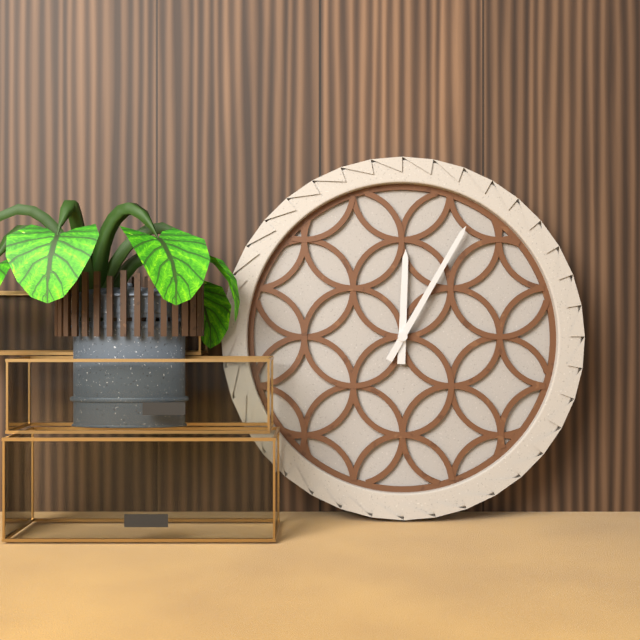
12:05
